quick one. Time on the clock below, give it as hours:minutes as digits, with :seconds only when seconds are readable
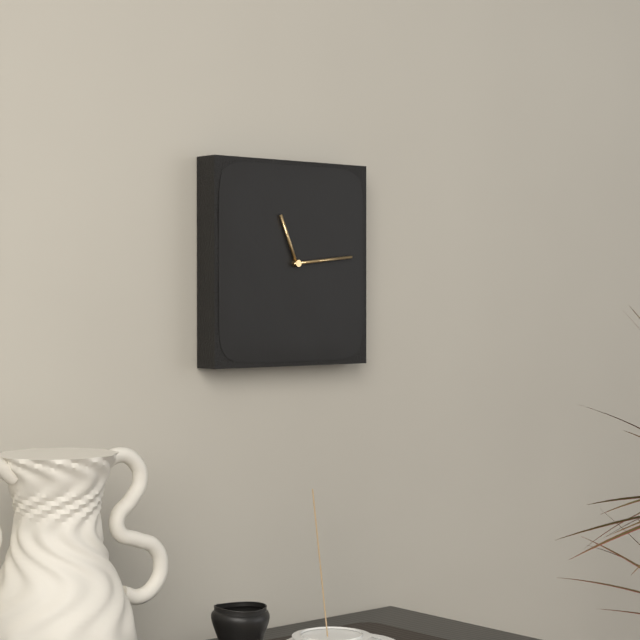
11:14
